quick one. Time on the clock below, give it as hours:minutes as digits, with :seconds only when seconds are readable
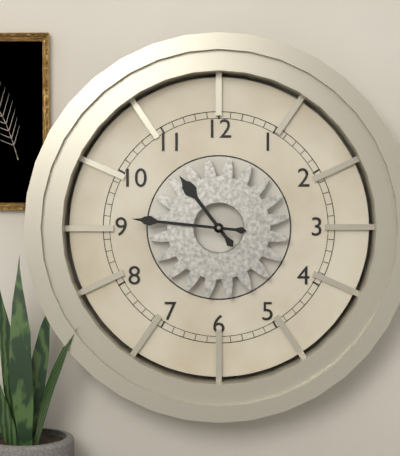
10:46
